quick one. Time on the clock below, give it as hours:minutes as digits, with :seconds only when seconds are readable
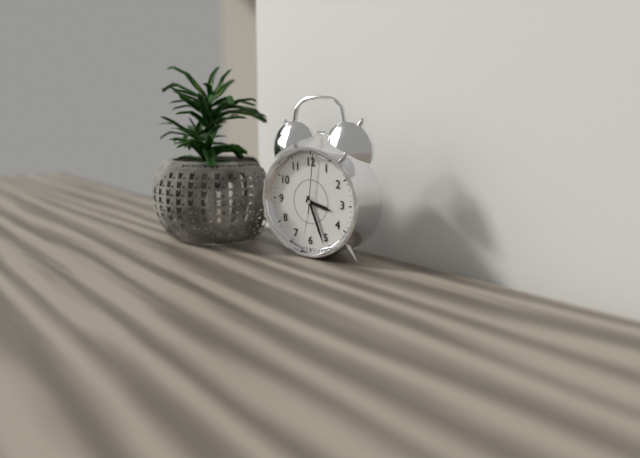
3:26:01
